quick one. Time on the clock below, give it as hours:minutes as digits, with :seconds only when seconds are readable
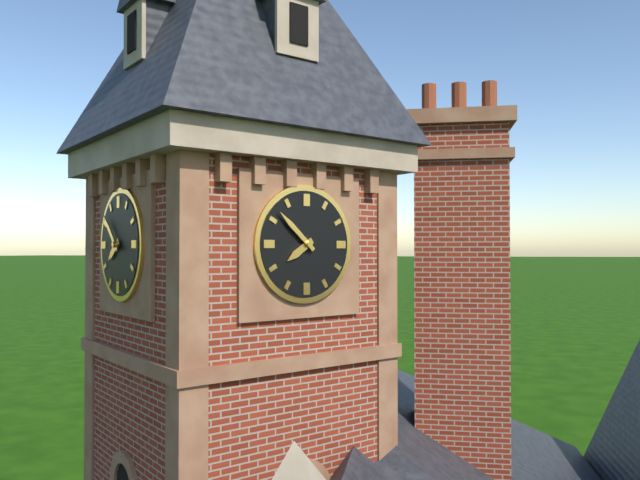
7:52
